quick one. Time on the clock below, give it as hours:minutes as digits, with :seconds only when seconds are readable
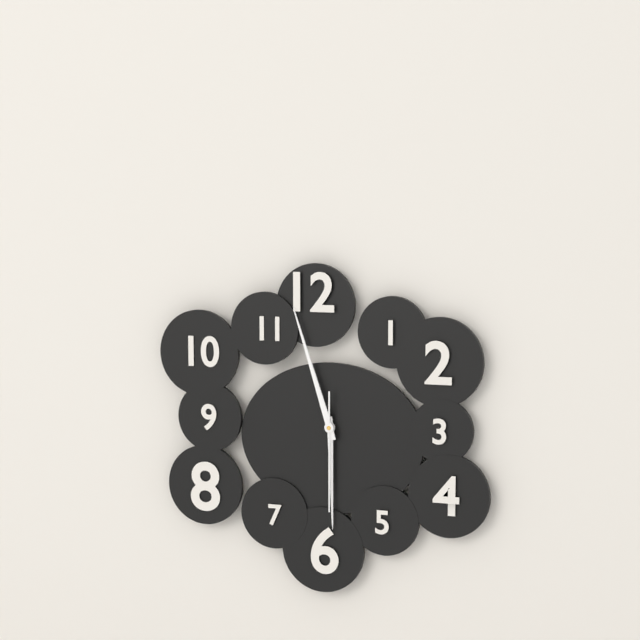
5:57:30
